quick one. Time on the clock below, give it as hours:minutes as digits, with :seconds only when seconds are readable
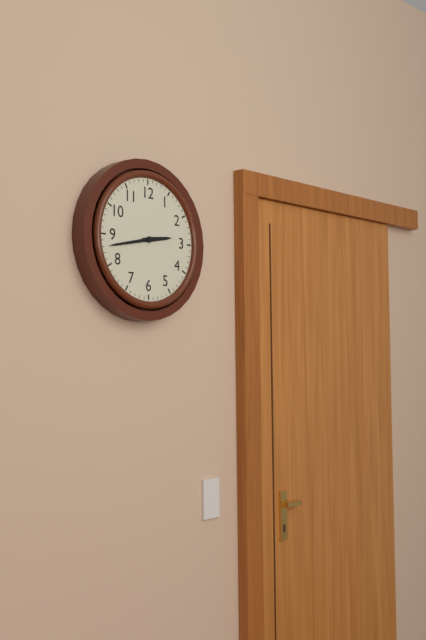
2:43
